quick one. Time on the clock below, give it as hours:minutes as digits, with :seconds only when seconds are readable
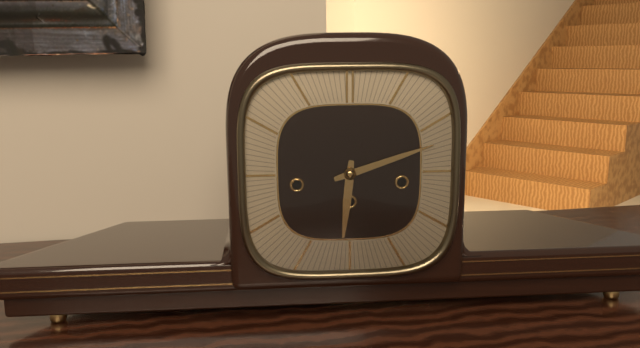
6:12
